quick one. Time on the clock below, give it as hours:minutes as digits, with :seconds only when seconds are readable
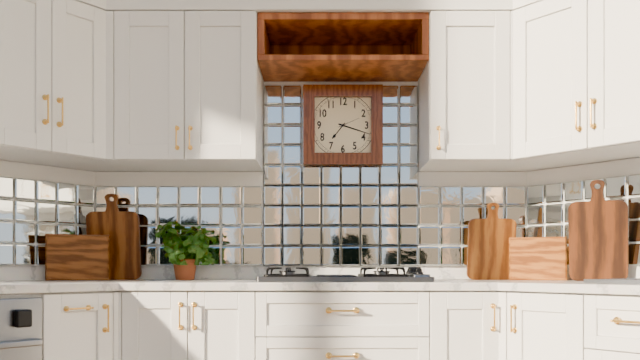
7:18
